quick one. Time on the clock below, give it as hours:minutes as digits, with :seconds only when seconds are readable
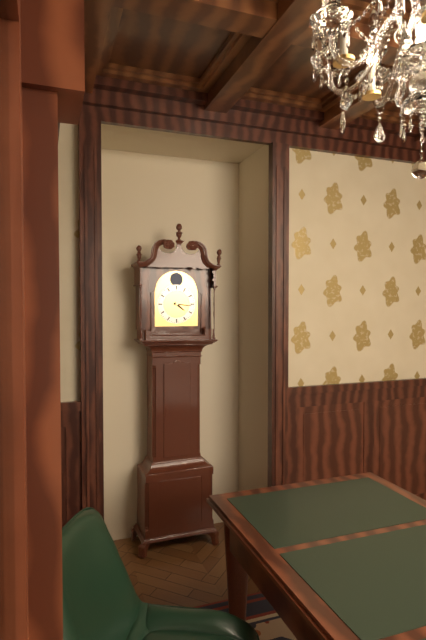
4:16
